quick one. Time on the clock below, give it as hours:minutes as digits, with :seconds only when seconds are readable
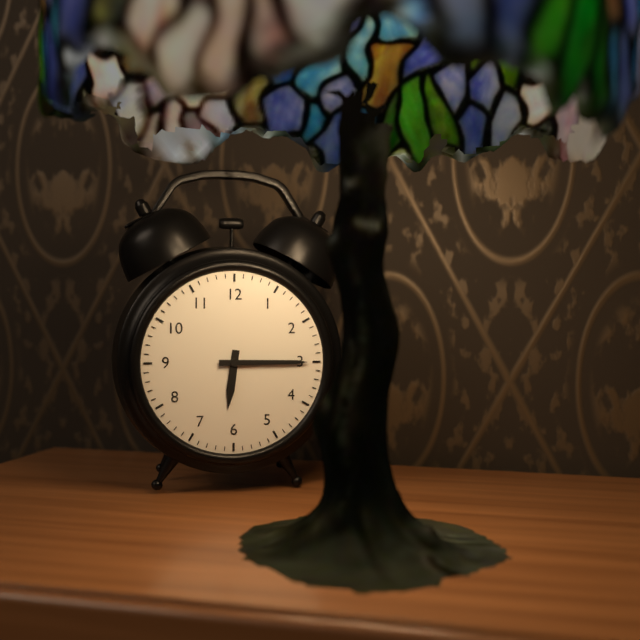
6:15
